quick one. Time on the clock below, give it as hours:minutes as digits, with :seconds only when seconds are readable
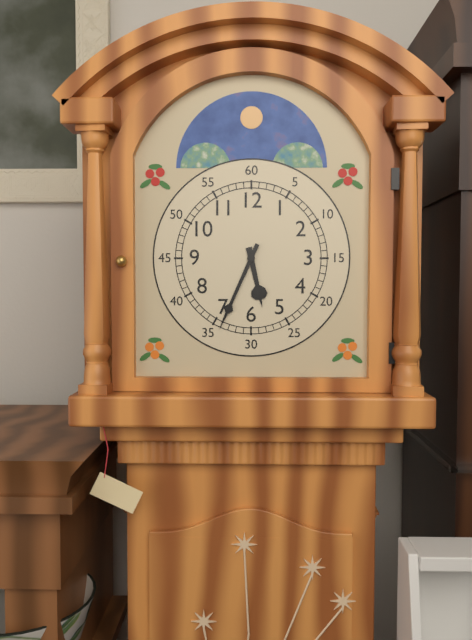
5:34
